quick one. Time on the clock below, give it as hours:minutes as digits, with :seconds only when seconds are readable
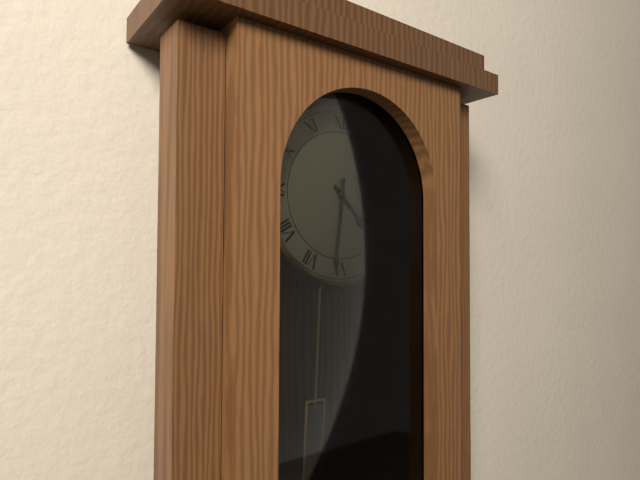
4:31
